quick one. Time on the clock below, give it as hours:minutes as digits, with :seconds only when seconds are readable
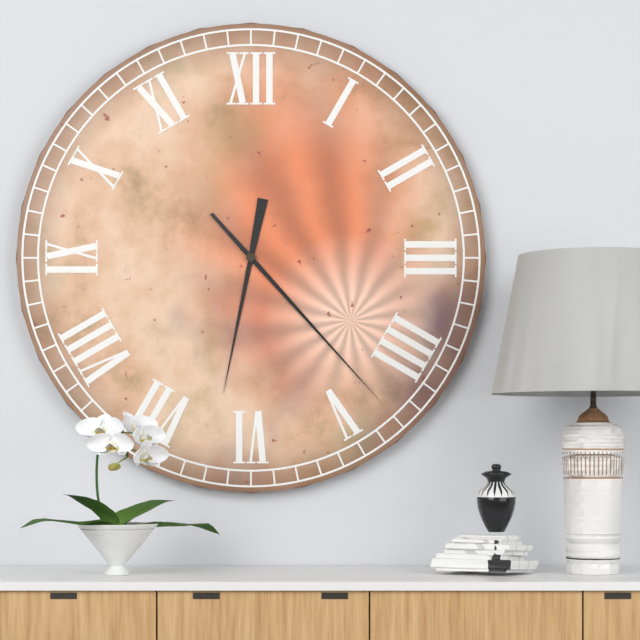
6:23
